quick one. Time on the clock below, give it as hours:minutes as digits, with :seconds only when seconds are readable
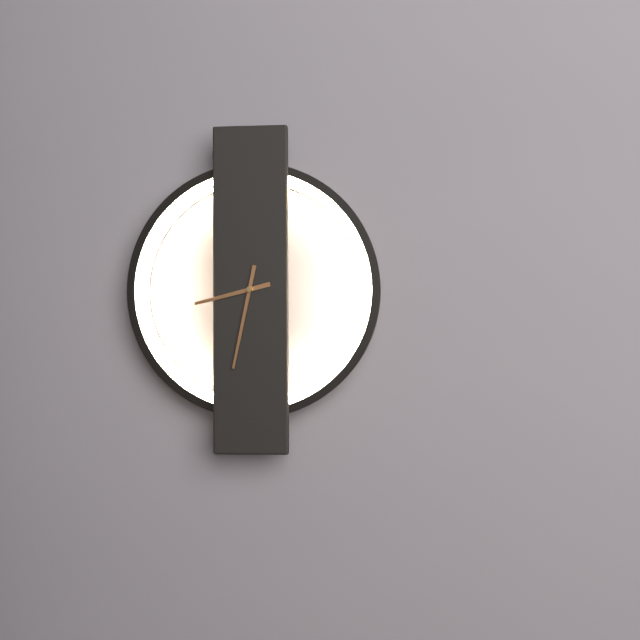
8:32
